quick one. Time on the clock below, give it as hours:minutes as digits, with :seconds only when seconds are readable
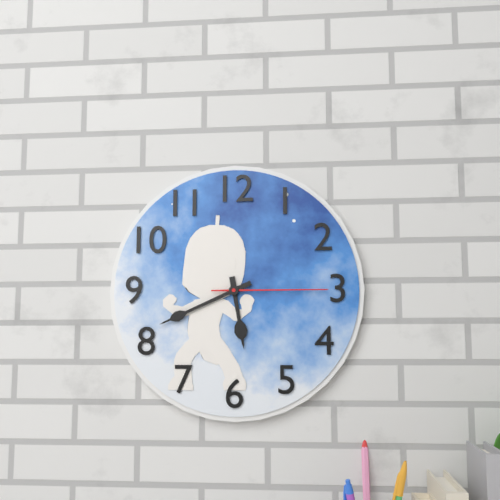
5:41:15
